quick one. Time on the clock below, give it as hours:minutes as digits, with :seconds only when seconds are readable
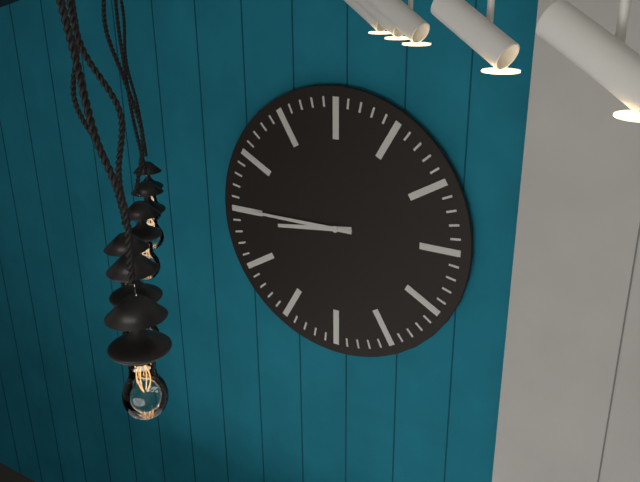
8:45
